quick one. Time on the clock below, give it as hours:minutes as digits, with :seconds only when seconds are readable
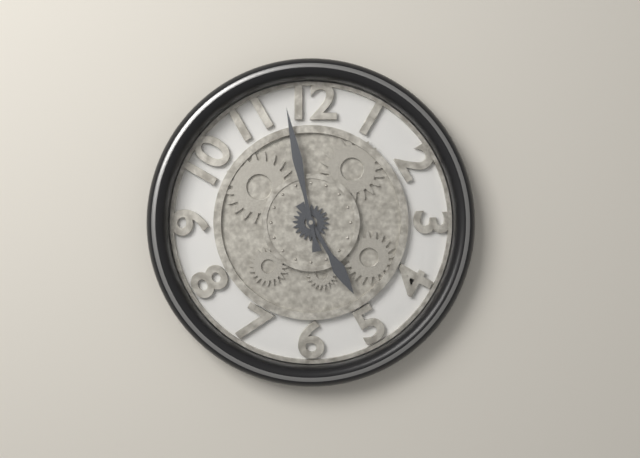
4:58
